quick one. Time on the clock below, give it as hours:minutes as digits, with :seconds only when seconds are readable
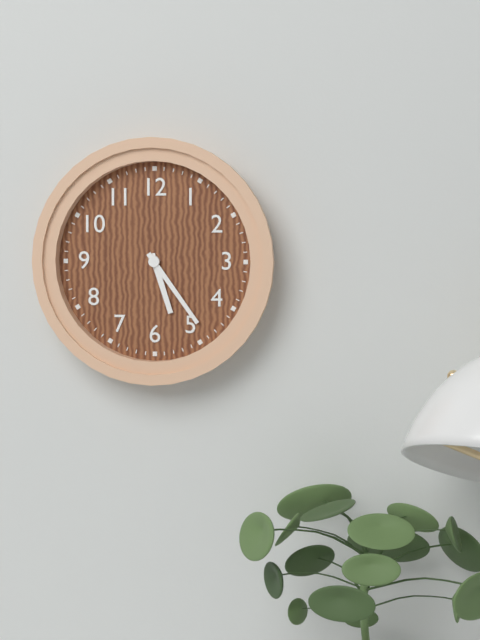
5:24
